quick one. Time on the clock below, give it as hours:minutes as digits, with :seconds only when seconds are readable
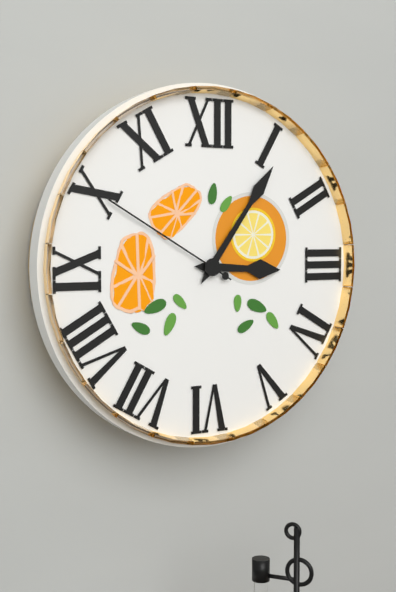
3:06:50
